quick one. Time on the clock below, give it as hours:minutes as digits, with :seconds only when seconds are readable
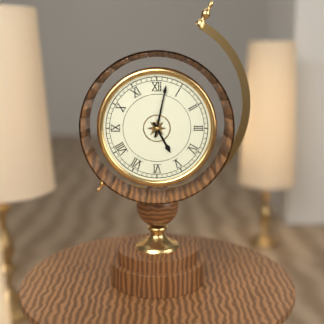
5:02
